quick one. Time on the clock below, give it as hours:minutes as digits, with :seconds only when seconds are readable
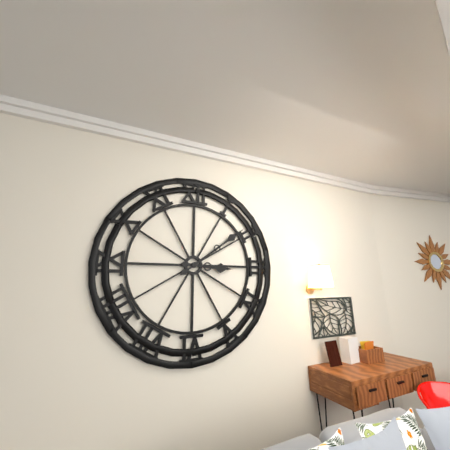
3:09
